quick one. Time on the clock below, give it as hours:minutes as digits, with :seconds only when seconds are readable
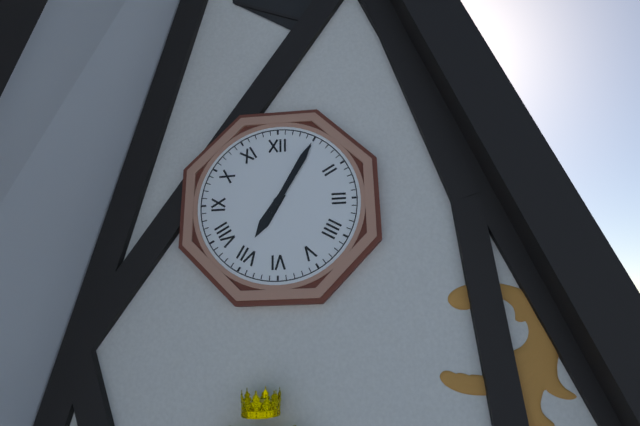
7:05
